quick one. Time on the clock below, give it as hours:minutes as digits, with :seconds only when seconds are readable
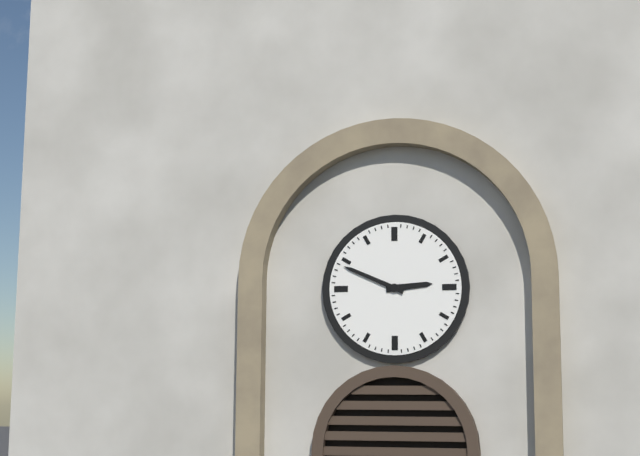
2:49
